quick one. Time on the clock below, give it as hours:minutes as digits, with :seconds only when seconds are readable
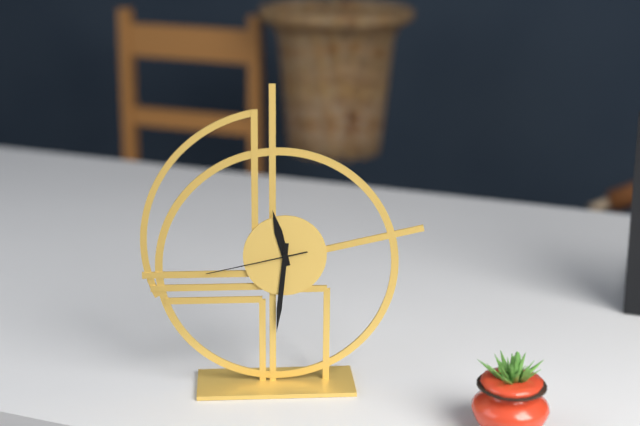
11:31:43
